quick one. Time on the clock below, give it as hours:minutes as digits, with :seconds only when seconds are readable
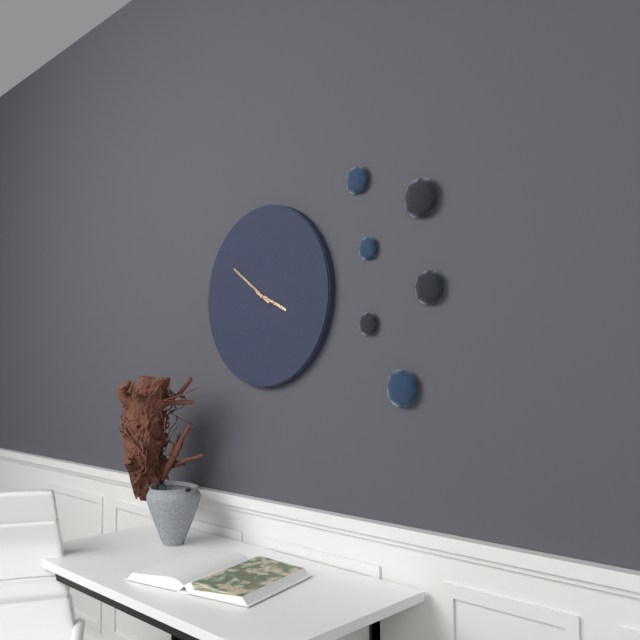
3:51
